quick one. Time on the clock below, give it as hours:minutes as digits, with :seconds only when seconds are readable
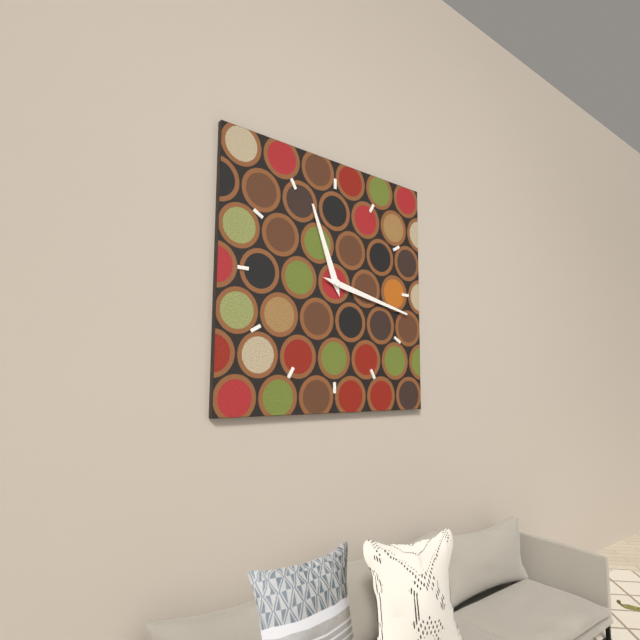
11:17
